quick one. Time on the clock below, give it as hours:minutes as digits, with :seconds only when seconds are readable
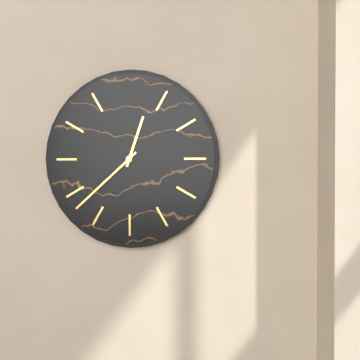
12:38
